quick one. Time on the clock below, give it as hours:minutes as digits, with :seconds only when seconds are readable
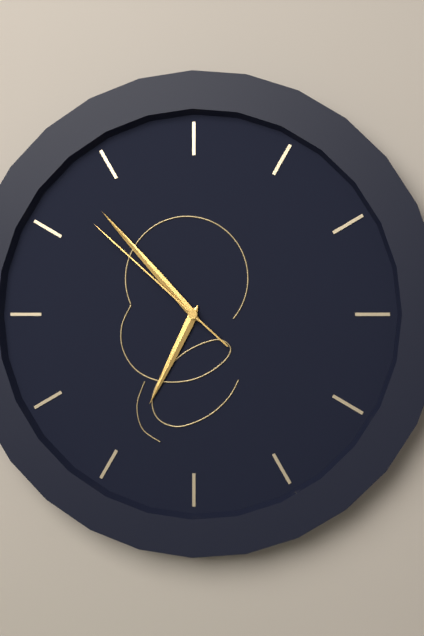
6:53:52
